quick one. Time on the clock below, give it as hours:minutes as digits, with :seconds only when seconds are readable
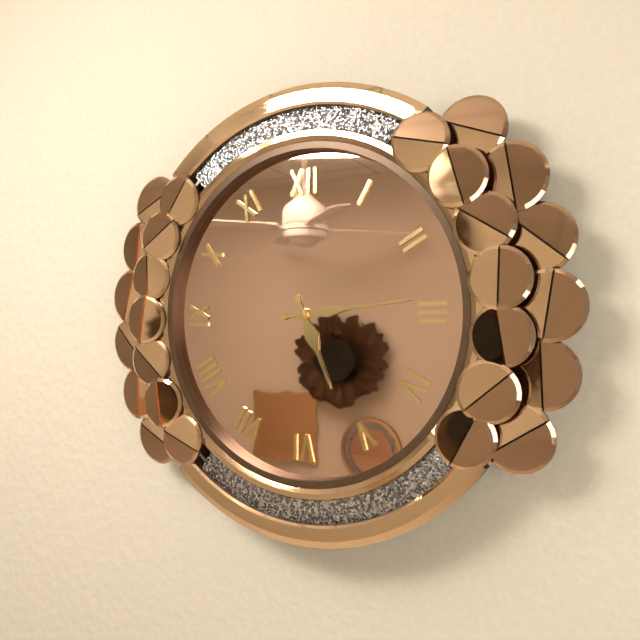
5:14
